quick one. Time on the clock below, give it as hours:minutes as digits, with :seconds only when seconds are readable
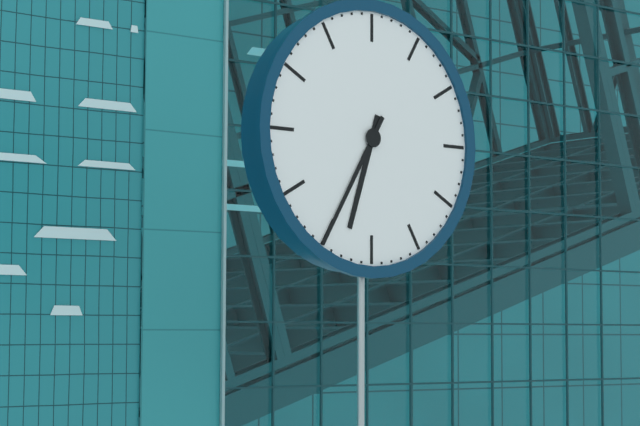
6:35
